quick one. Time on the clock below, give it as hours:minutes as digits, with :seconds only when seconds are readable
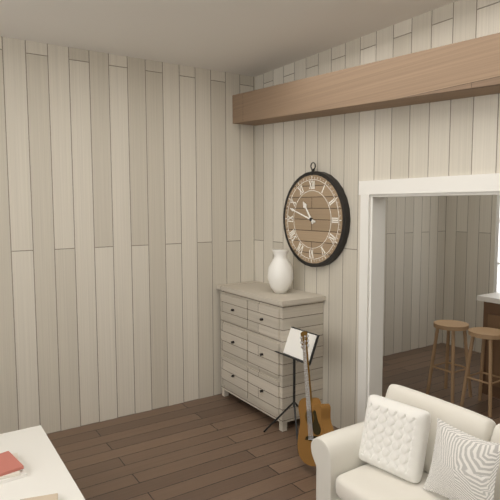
10:48
